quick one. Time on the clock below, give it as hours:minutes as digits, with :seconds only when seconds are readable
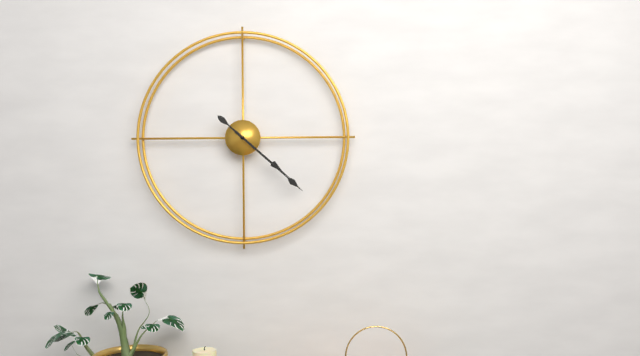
4:22
